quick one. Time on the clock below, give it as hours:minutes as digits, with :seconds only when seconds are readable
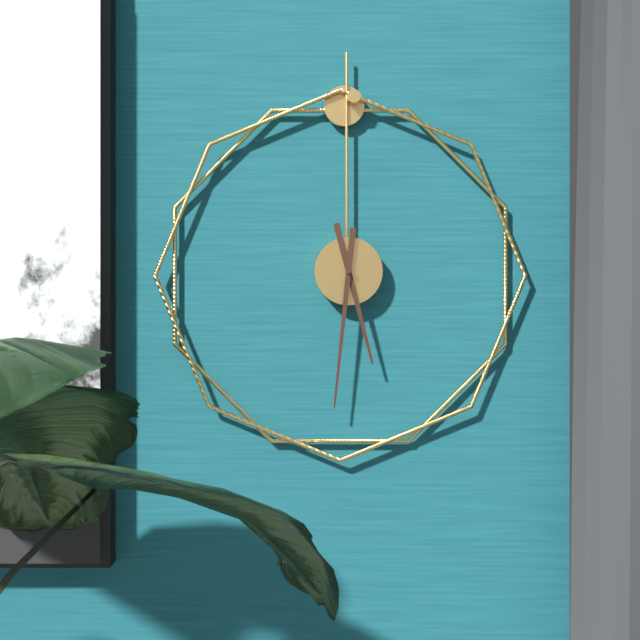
5:31
